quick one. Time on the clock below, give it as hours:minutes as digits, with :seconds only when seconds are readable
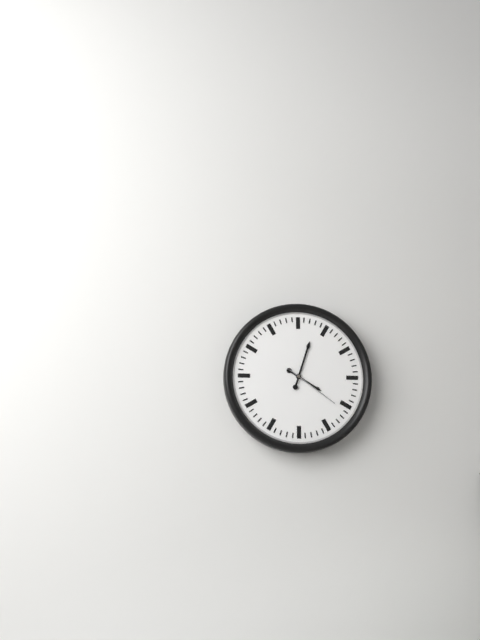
4:03:21
